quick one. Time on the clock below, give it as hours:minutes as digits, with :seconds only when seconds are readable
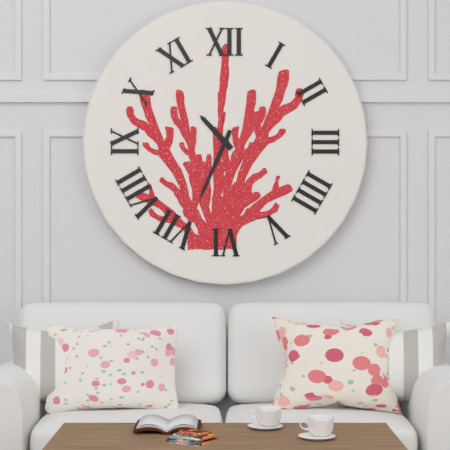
10:34
